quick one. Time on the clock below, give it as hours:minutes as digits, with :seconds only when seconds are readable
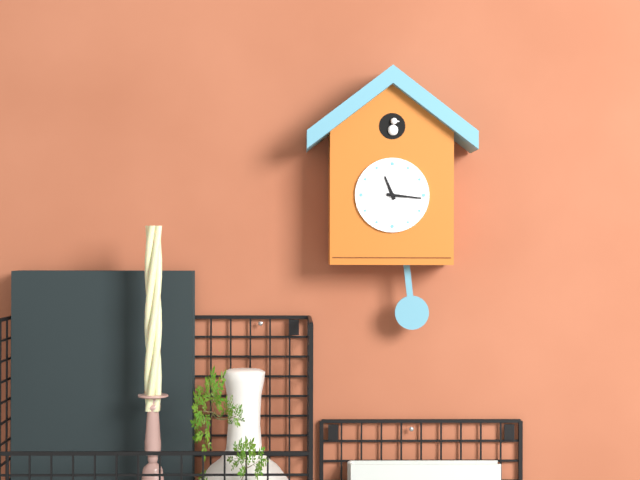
11:16
